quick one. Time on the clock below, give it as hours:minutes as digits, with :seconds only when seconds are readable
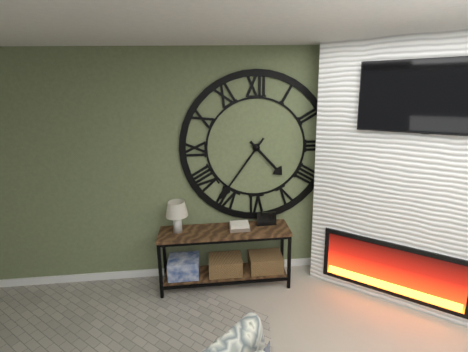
4:36
